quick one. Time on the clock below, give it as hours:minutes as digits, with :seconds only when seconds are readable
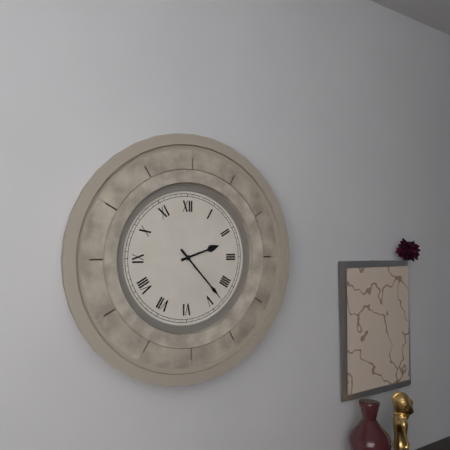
2:23
